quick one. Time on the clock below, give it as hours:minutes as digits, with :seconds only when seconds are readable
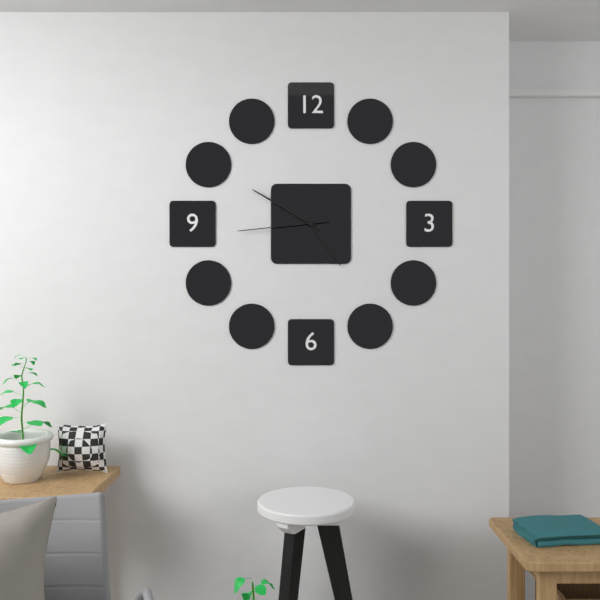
4:50:44
